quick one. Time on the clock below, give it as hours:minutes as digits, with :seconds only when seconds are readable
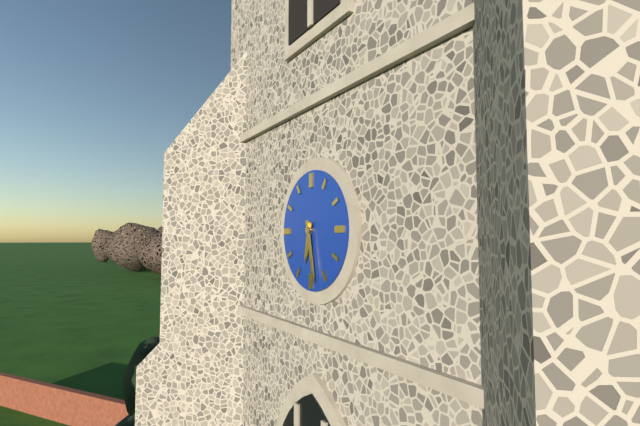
6:28
